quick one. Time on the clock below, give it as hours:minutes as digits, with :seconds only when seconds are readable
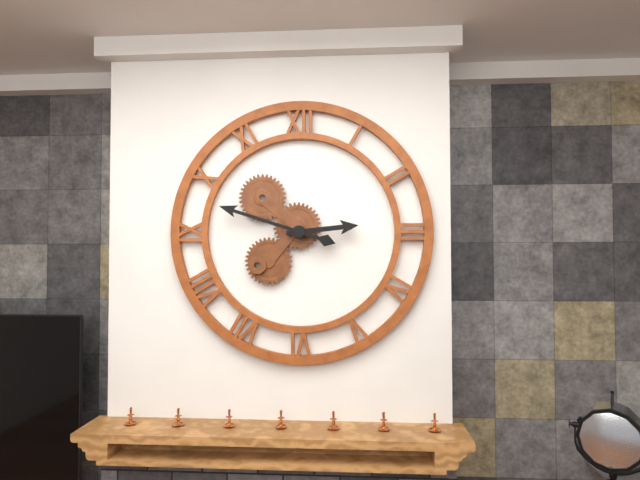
2:48
